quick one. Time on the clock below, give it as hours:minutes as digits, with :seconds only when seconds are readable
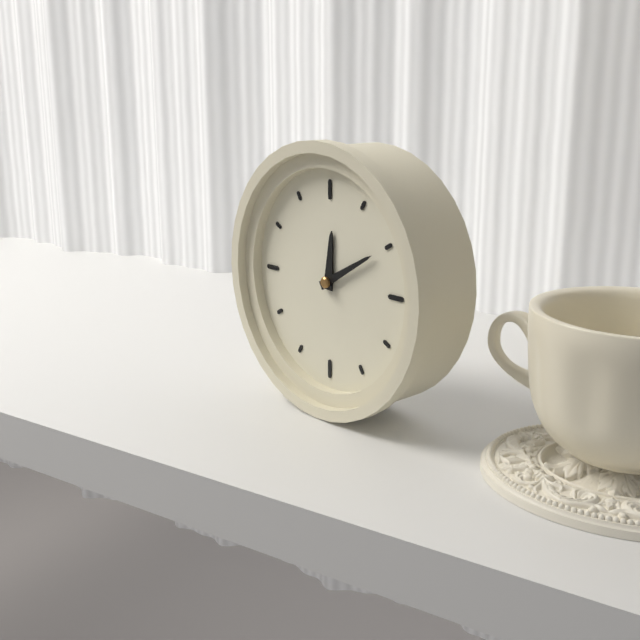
12:10
